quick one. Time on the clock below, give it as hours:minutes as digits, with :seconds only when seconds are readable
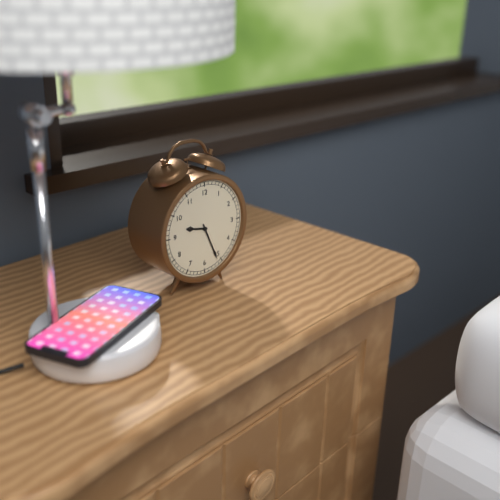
9:26
